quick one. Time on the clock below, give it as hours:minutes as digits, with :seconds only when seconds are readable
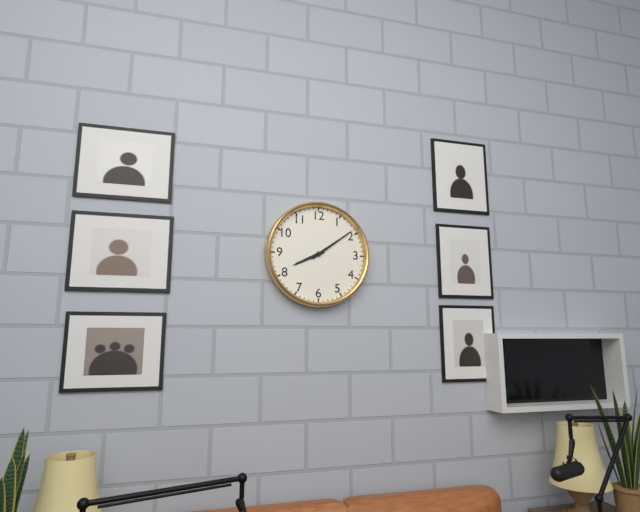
8:09
